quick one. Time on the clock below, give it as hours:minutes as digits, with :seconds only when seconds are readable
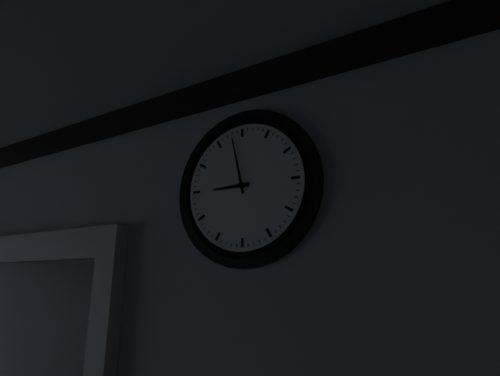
8:58
